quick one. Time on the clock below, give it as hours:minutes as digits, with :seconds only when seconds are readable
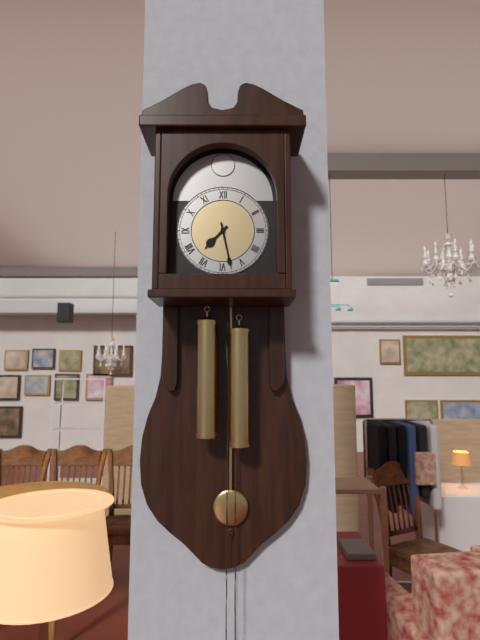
7:28
